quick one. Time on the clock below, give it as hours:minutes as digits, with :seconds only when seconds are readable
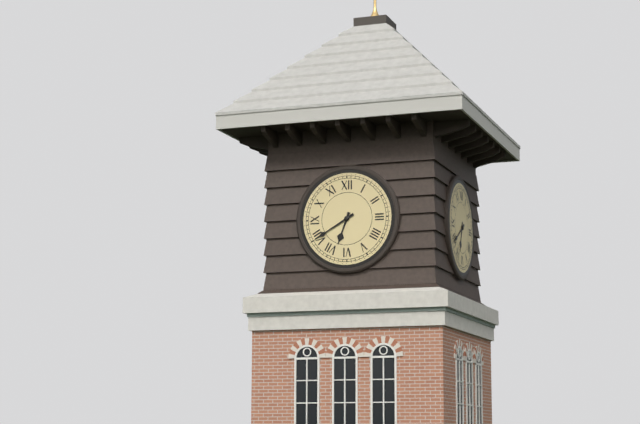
6:40
